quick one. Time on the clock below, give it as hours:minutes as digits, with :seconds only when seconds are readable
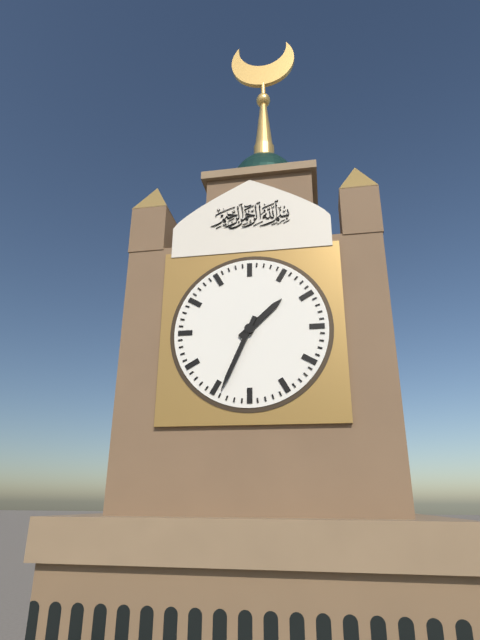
1:34
